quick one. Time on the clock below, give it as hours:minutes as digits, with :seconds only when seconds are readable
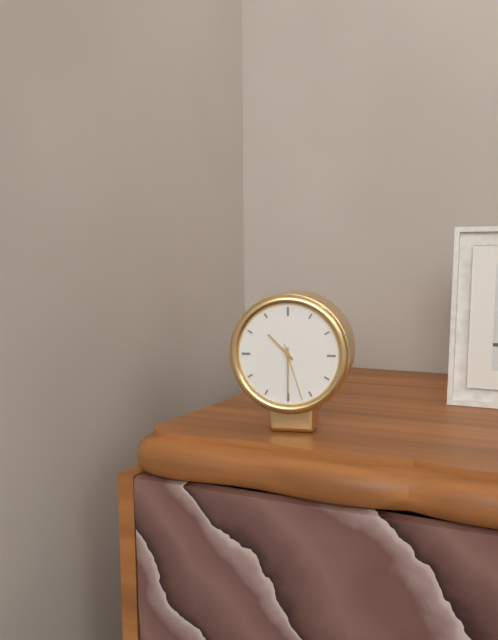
10:30:27
